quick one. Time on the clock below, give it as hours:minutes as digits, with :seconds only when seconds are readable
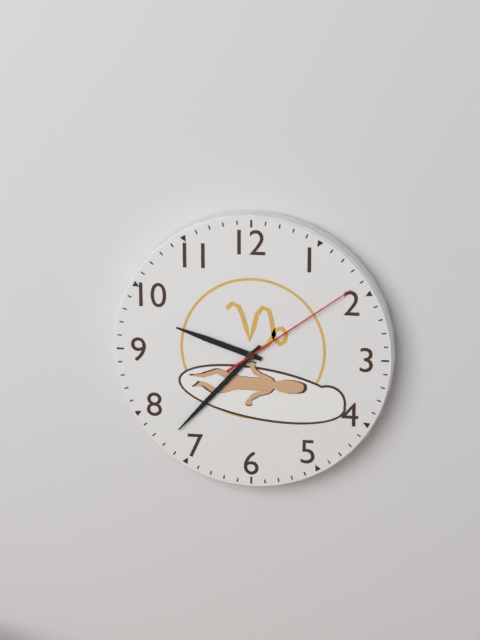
9:37:09
